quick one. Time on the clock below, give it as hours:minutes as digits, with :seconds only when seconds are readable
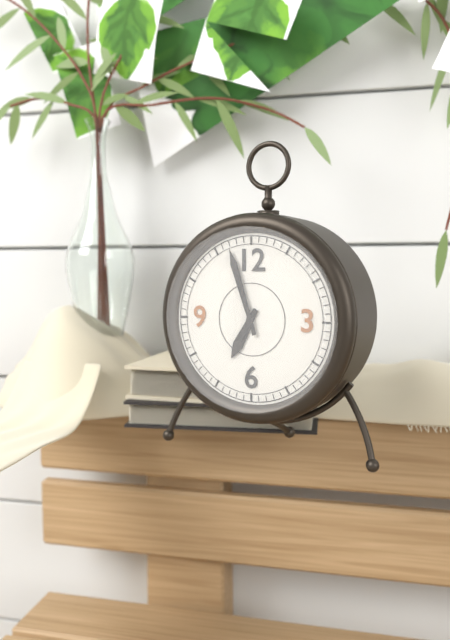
6:57
